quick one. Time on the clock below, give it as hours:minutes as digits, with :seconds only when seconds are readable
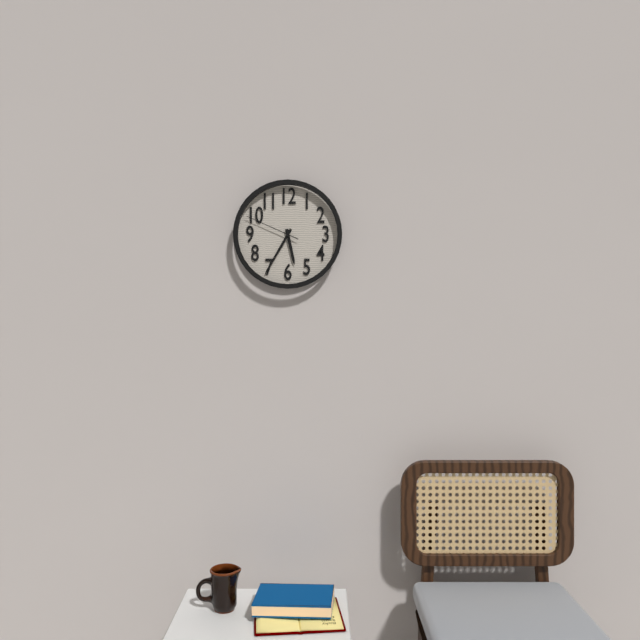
5:35:49
